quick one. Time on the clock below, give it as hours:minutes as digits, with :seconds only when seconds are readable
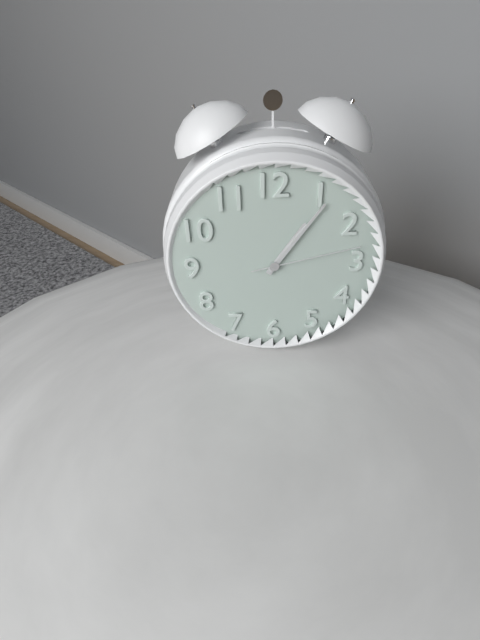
1:06:13
